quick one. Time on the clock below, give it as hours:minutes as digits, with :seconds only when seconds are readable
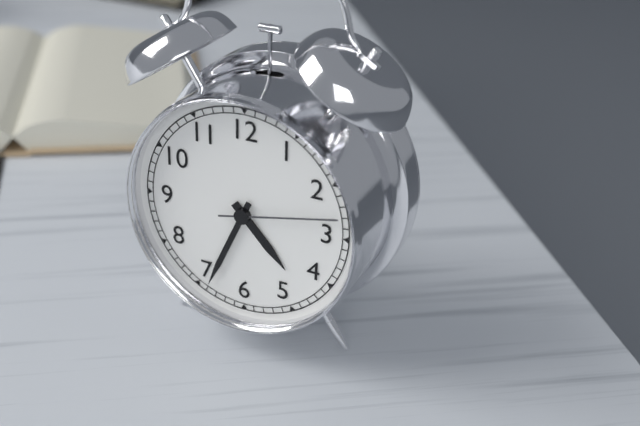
4:34:13
